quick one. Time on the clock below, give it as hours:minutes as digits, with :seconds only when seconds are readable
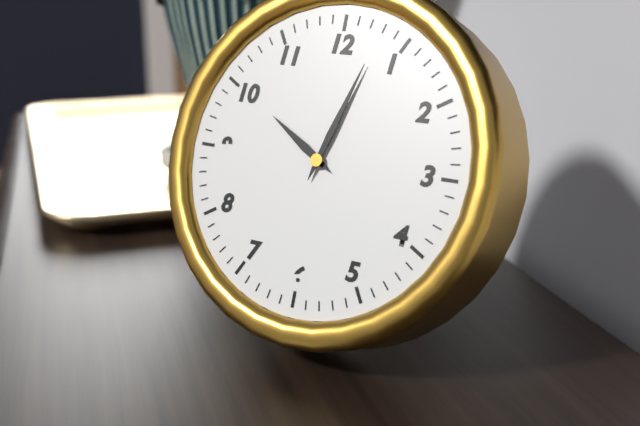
10:03
